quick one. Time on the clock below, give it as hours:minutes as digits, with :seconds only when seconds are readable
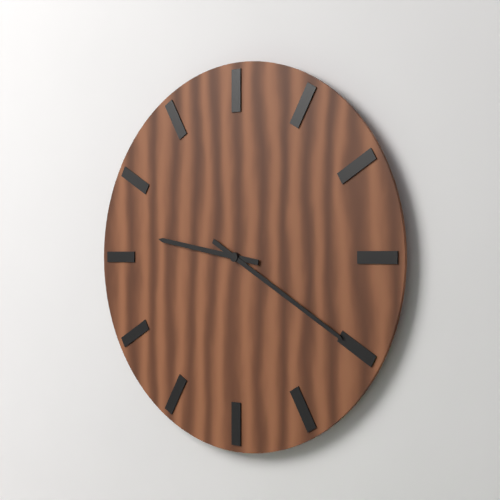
9:20
